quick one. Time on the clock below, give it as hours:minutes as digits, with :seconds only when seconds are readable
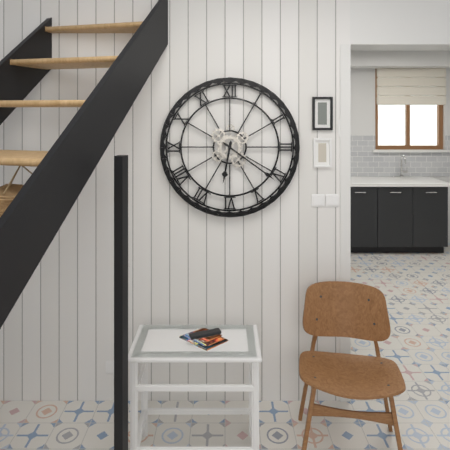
6:21
